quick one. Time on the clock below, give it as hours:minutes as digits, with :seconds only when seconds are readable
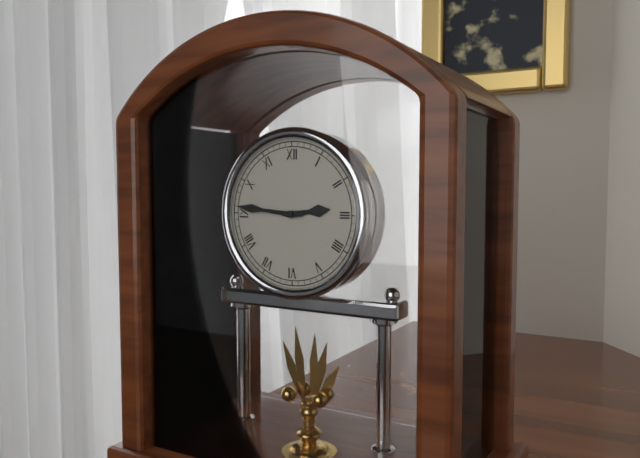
2:46
